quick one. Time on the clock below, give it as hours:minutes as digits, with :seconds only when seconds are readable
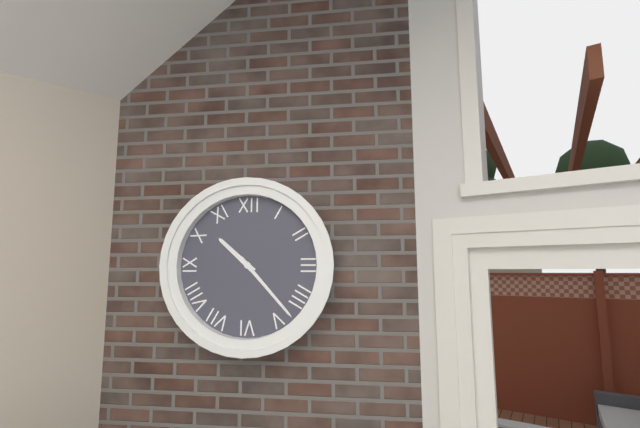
10:23
